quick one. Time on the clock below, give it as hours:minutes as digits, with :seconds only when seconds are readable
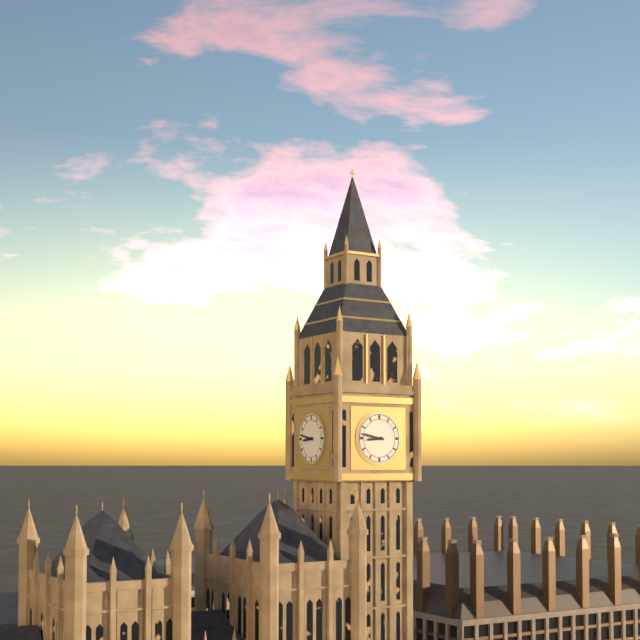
8:47
